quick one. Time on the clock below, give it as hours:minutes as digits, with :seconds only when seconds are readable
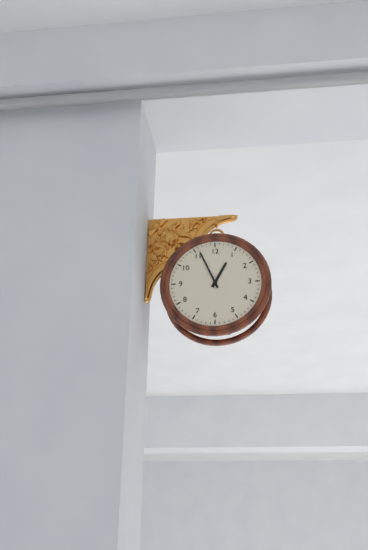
12:56
